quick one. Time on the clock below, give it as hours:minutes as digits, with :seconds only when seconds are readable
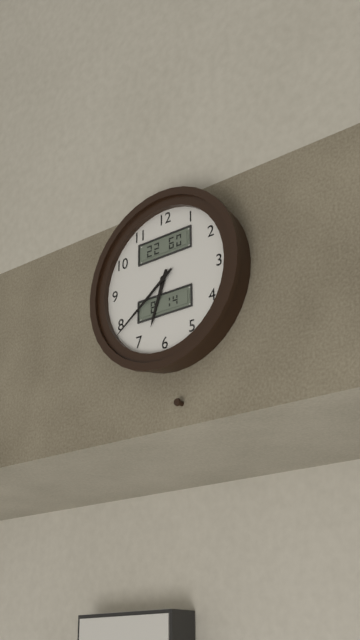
6:39
